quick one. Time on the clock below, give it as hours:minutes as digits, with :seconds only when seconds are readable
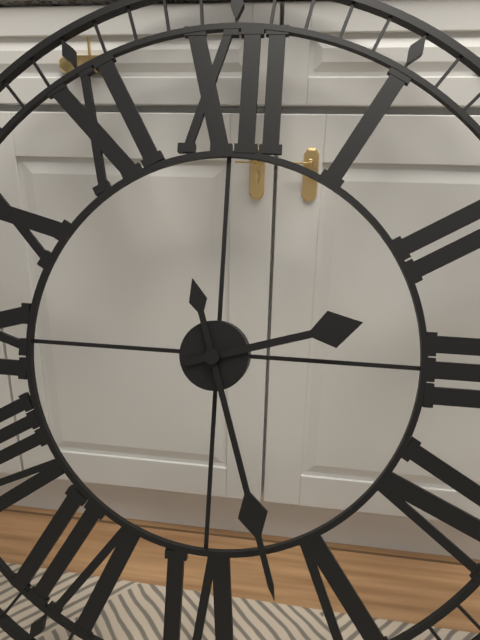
2:27
